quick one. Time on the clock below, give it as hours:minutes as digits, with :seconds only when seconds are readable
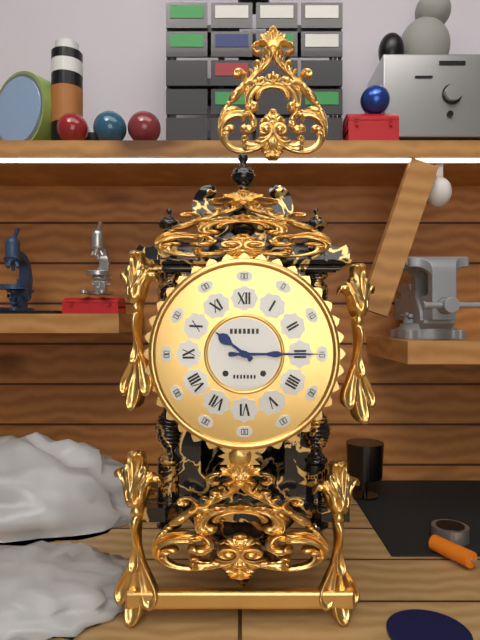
10:15
